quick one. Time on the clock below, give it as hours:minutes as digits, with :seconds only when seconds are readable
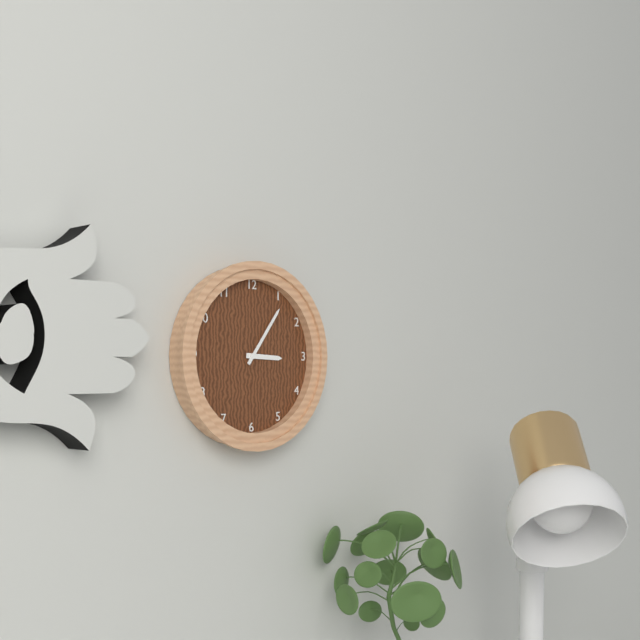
3:06
